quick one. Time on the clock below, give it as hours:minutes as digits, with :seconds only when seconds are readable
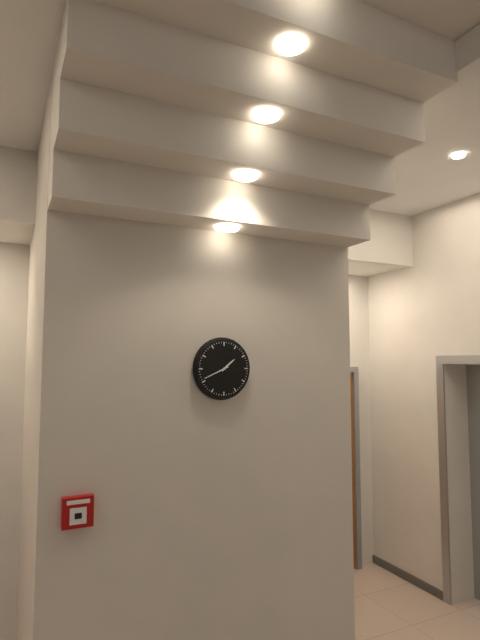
1:41
